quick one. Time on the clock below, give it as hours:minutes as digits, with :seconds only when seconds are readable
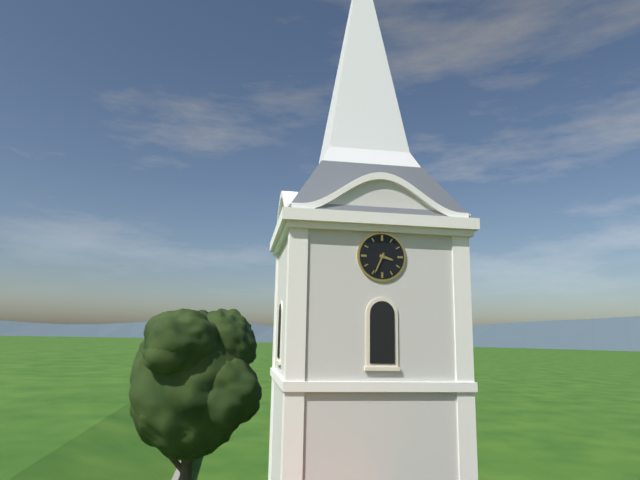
3:34
